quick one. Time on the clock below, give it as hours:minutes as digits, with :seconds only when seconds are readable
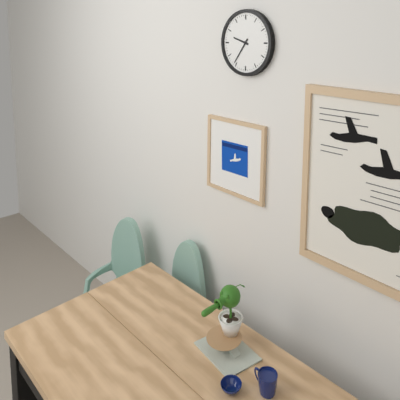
9:36
